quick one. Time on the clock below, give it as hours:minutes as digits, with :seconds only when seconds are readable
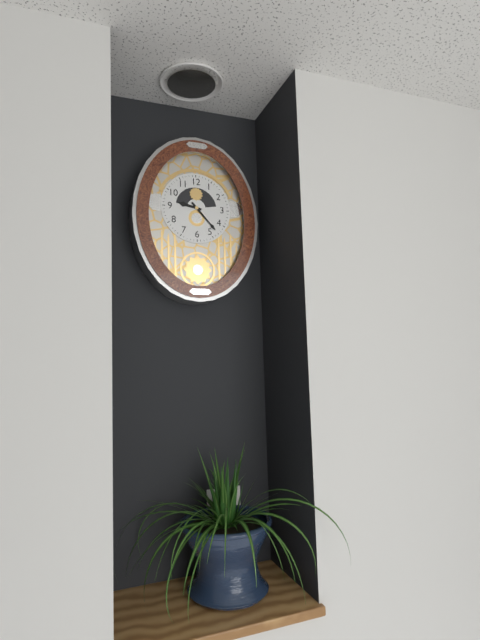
9:23
